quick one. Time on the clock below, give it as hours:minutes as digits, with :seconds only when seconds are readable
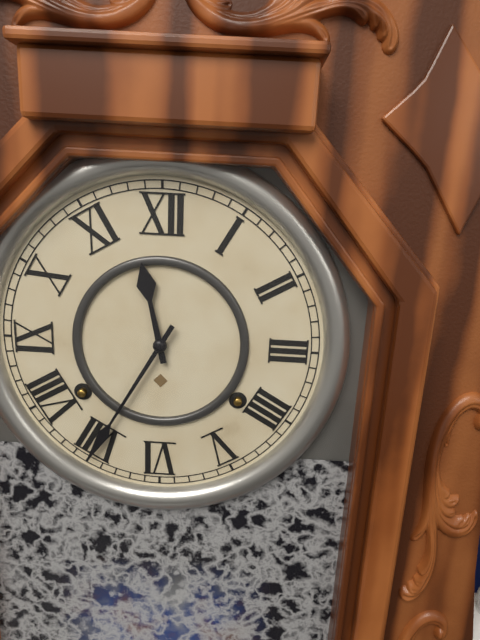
11:35
